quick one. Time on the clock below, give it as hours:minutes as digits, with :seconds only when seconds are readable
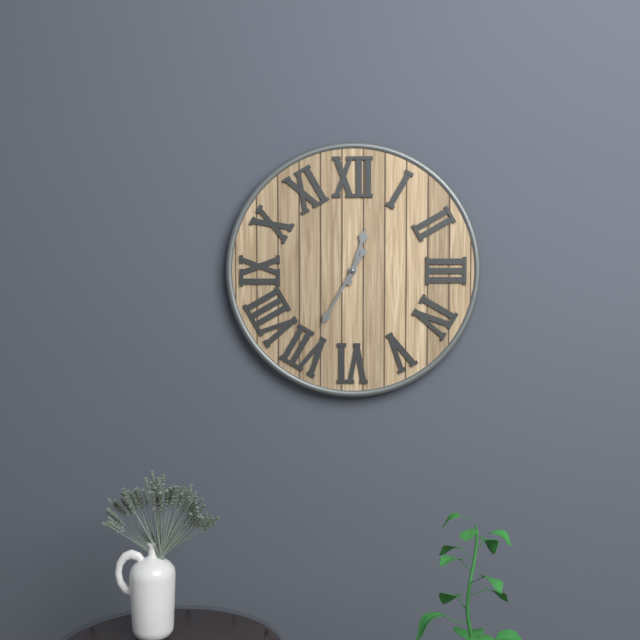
12:35
